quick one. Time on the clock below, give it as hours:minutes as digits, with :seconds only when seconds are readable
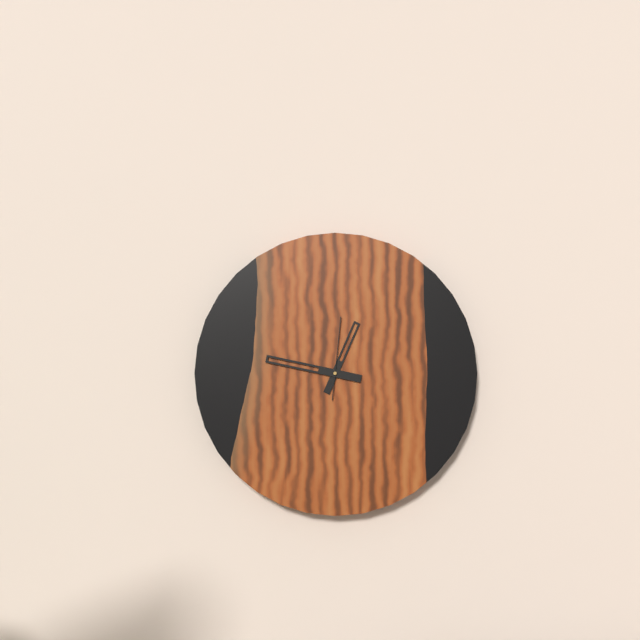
12:47:01
